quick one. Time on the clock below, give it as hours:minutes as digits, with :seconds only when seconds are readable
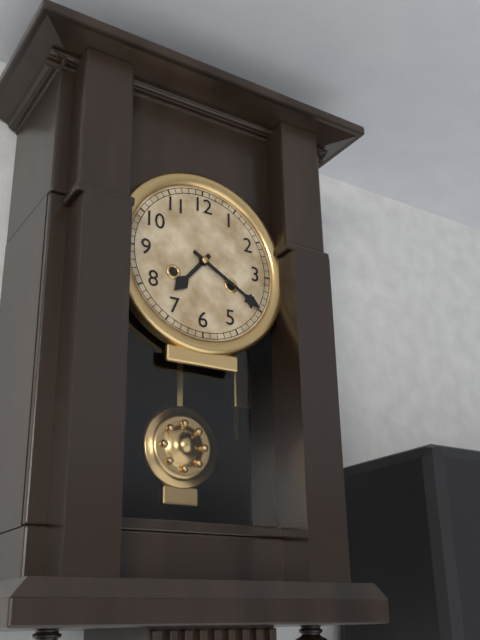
7:20
